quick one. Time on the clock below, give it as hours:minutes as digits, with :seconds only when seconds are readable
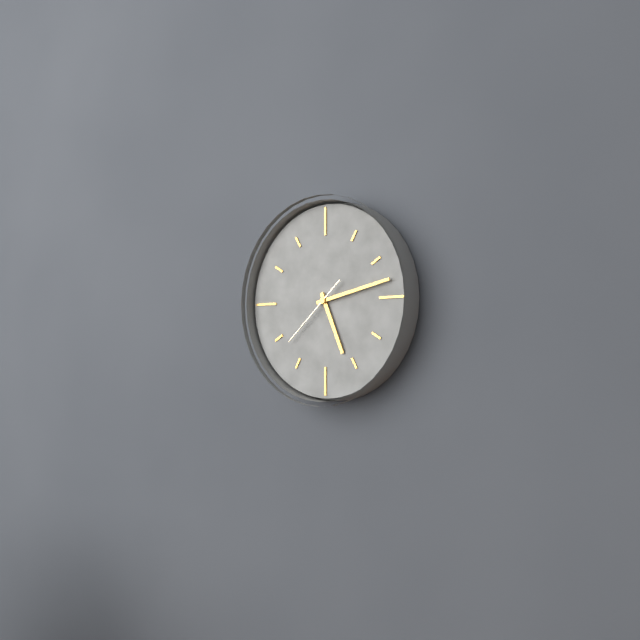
5:13:38
